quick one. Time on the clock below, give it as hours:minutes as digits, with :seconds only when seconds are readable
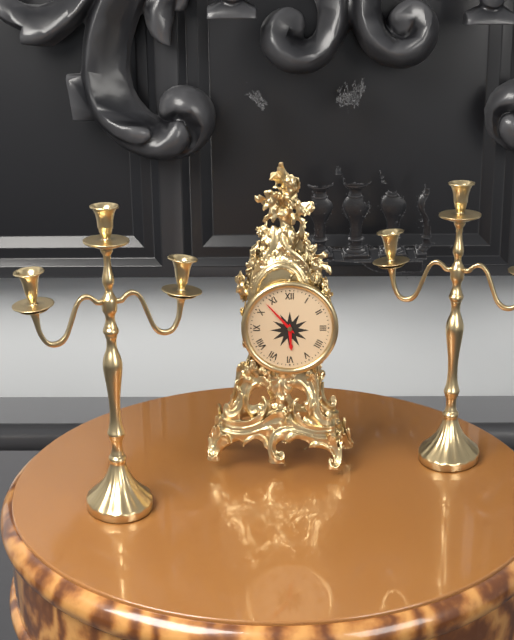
5:53
